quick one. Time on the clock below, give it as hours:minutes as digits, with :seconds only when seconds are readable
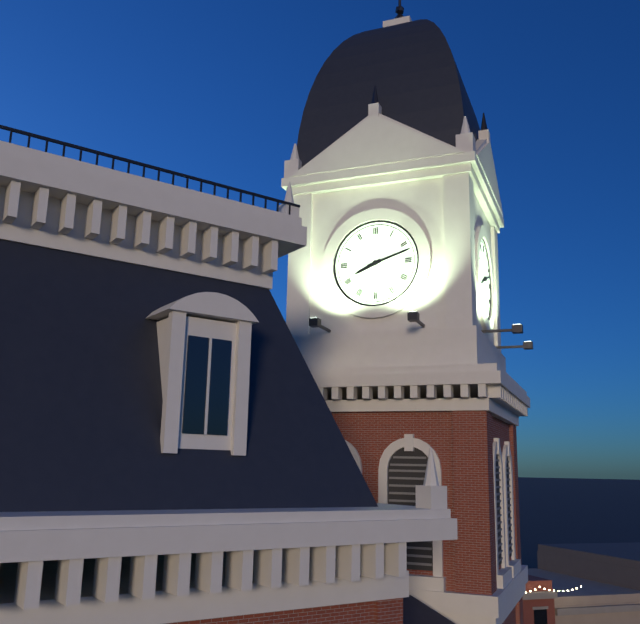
8:12
